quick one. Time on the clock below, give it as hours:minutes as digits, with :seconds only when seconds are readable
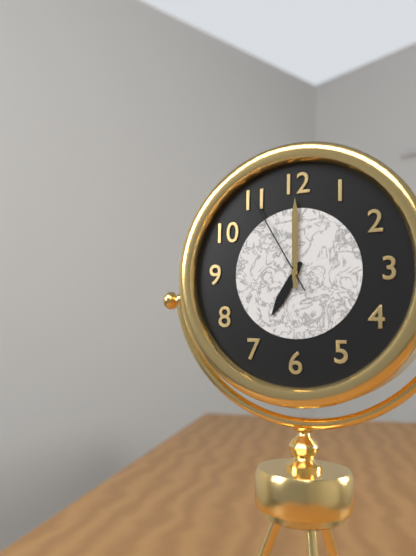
7:00:55
